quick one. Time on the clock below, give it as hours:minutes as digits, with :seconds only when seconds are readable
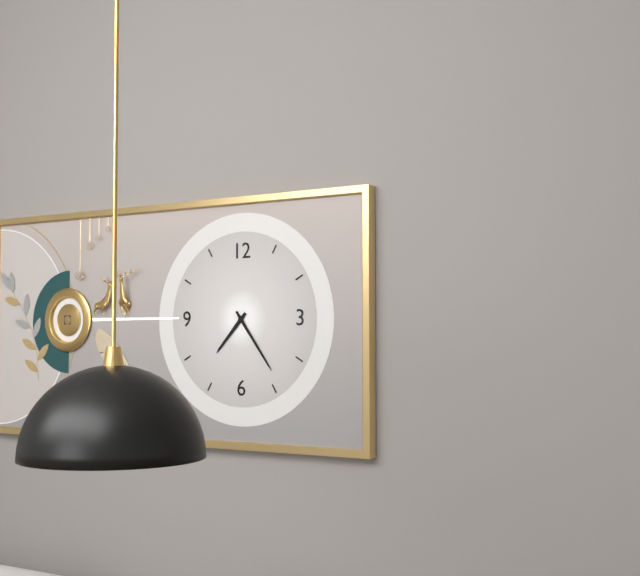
7:24
